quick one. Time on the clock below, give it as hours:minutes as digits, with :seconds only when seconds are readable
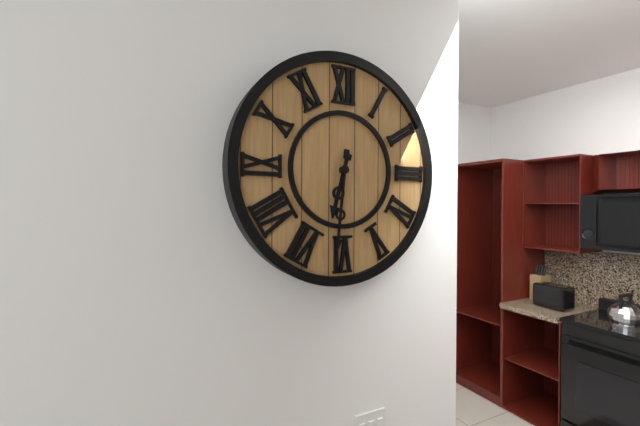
6:31
